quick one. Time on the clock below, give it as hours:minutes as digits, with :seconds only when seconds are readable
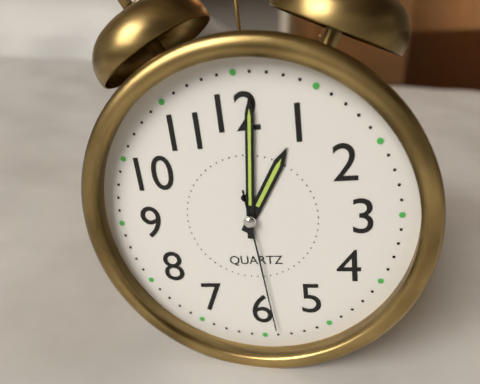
1:01:29
